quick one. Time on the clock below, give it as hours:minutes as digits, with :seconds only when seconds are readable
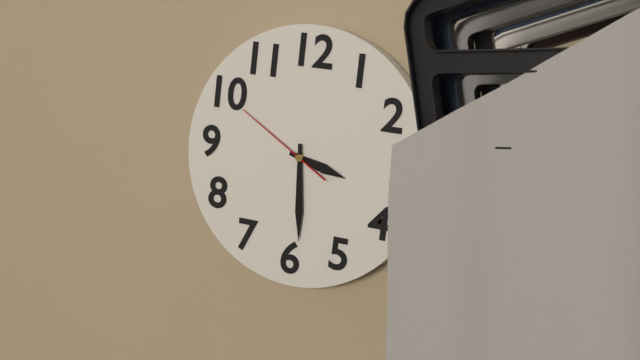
3:29:50
